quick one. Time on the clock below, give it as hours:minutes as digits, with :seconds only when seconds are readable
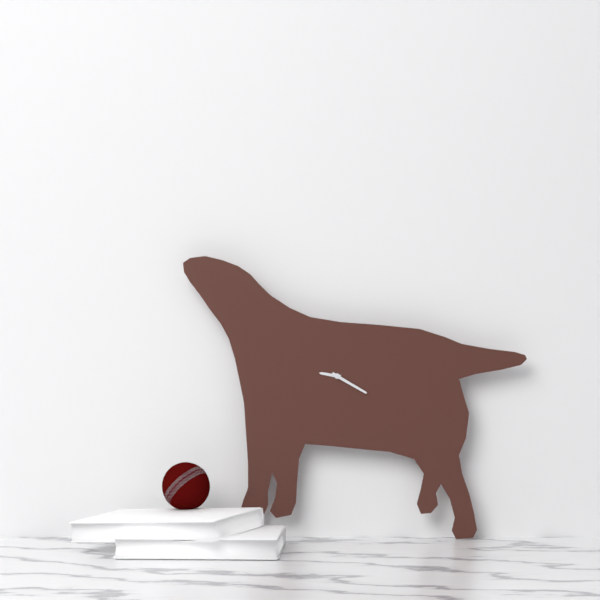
9:20
